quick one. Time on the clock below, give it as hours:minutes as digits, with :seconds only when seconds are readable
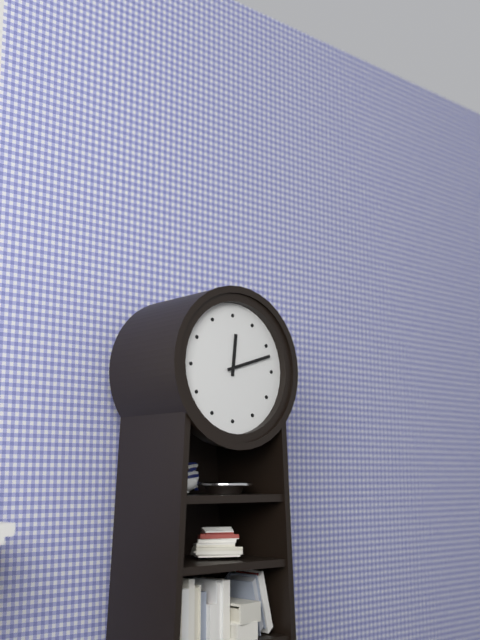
12:12
